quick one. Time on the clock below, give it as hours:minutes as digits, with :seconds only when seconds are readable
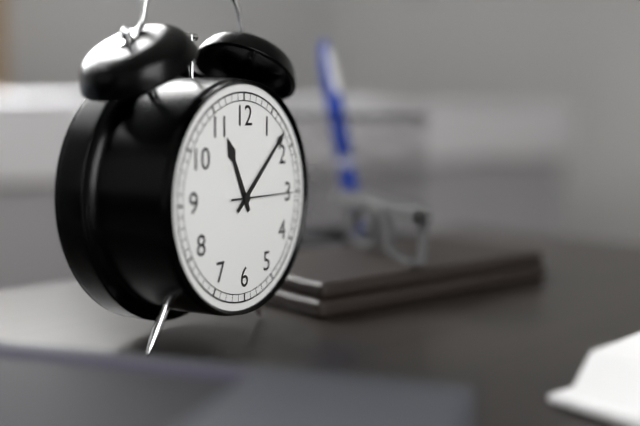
11:08:15
